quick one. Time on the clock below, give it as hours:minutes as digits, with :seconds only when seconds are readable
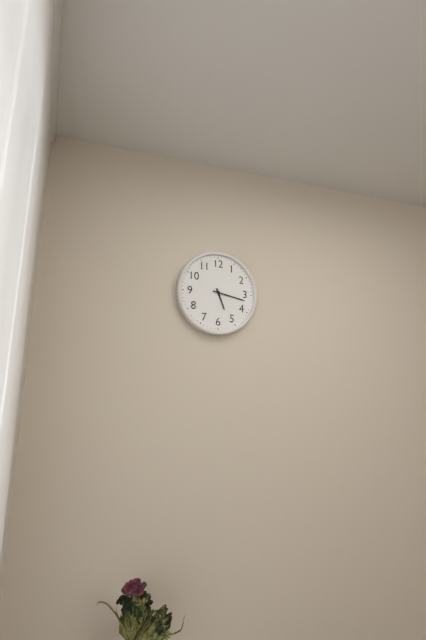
5:17
